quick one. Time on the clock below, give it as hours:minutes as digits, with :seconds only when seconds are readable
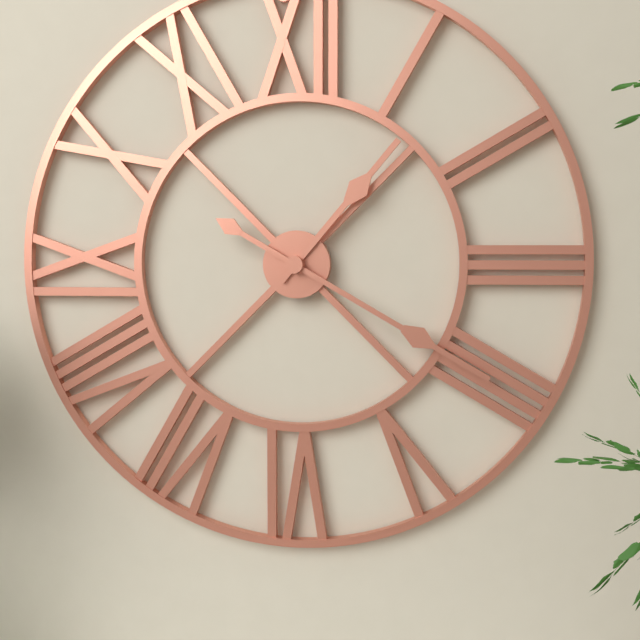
1:20
